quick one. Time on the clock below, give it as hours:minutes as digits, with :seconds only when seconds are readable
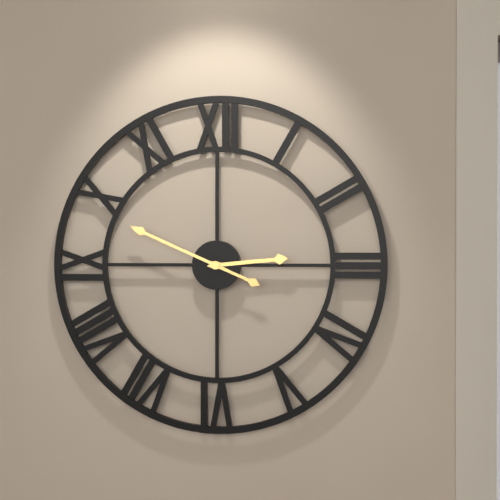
2:49
